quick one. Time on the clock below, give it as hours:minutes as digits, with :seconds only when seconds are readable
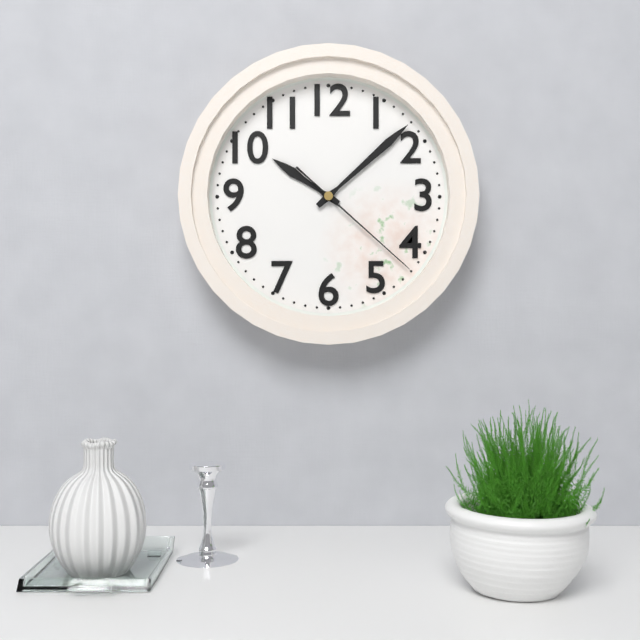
10:08:22
